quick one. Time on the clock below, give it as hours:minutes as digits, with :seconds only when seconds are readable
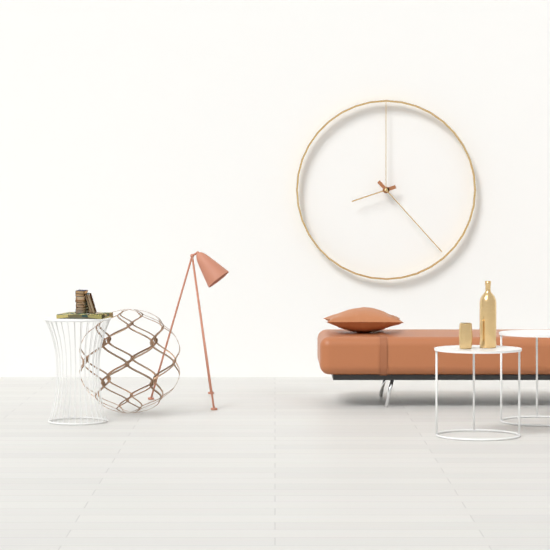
8:23
